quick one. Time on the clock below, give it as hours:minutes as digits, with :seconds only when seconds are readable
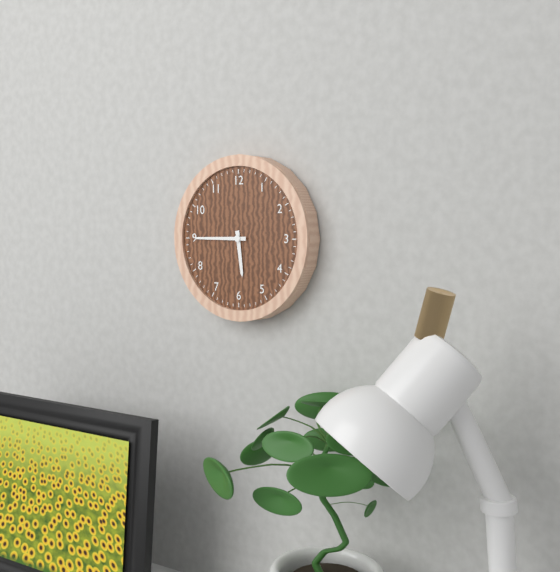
5:45
